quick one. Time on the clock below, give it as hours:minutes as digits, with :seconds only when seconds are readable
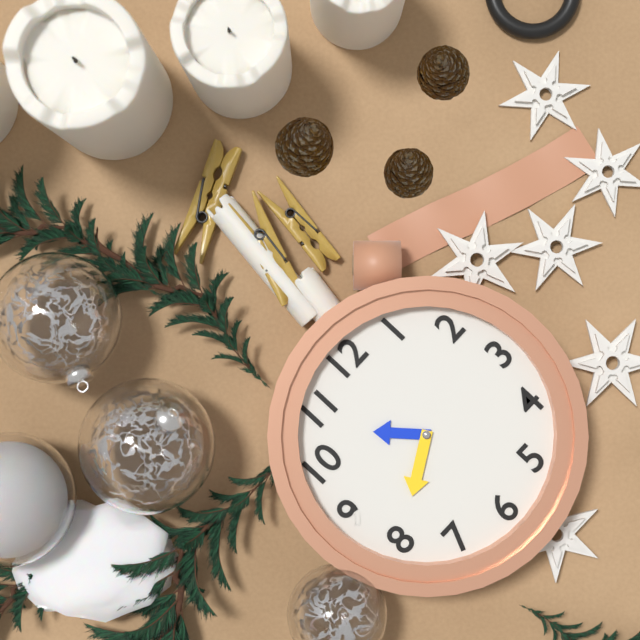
10:40
